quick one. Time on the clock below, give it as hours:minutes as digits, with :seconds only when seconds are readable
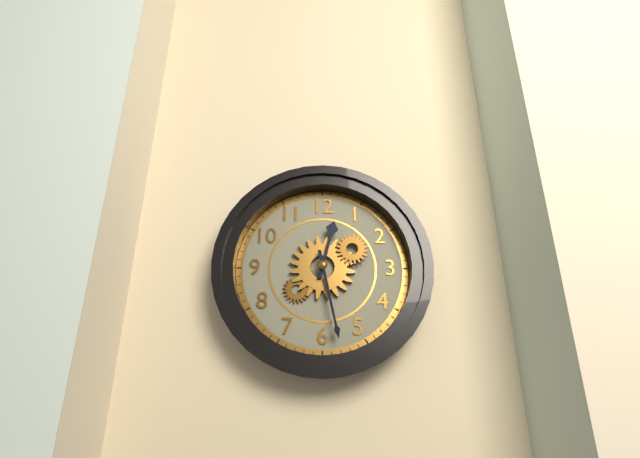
12:28
